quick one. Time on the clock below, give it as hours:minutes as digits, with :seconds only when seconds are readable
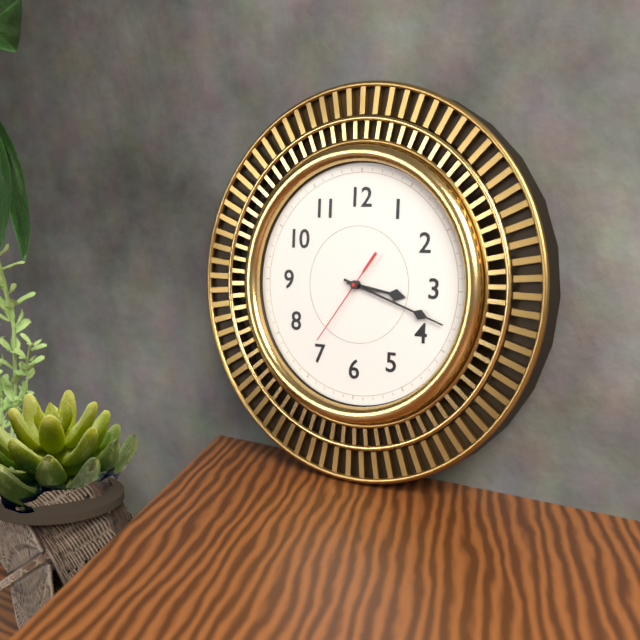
3:18:36
